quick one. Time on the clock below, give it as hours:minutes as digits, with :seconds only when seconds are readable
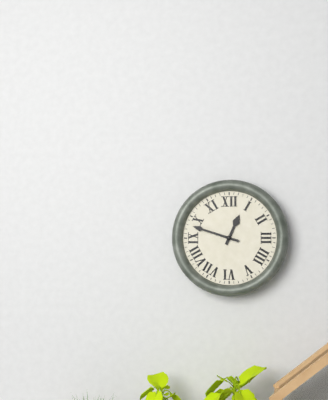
12:48
